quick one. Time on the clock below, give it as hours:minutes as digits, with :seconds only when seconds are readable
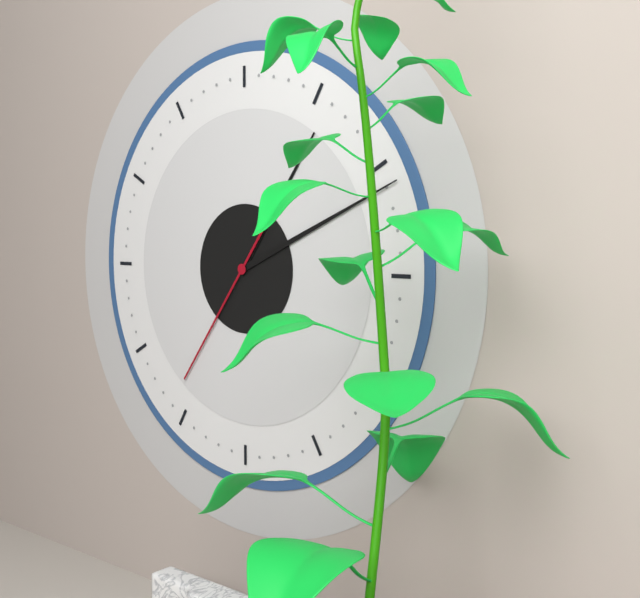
1:11:36
